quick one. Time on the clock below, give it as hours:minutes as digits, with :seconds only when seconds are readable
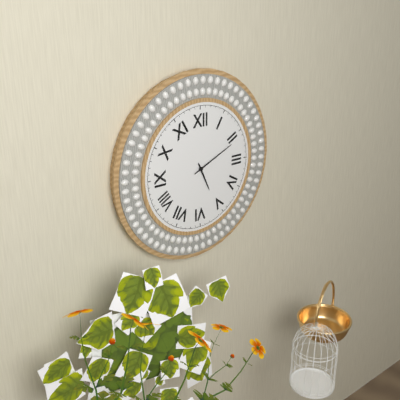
5:11
